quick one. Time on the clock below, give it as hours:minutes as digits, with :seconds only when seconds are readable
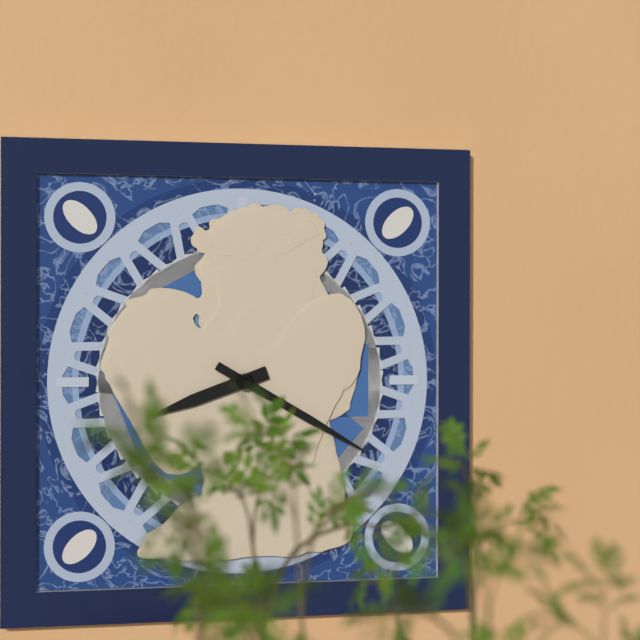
8:20
